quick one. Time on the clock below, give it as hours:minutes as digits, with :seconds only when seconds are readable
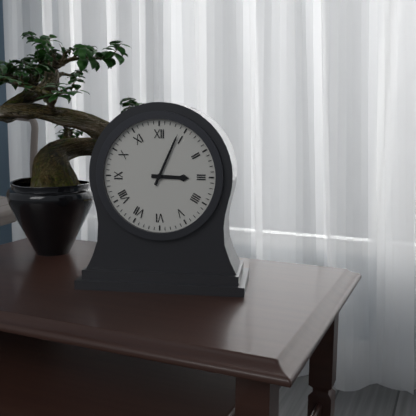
3:04
